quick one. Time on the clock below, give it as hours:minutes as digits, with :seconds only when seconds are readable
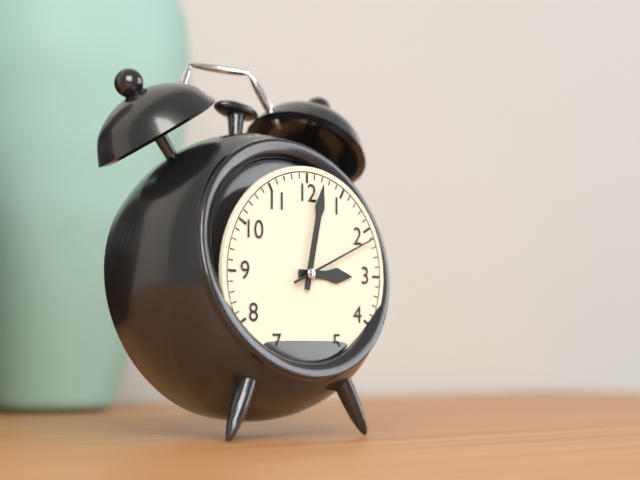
3:02:11
